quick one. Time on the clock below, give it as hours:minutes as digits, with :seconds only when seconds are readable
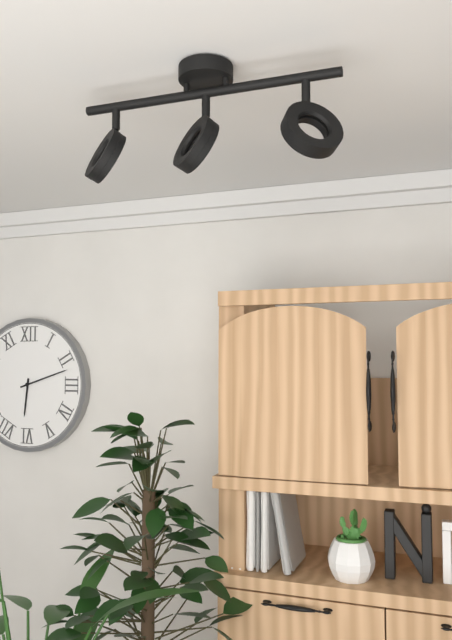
6:12
